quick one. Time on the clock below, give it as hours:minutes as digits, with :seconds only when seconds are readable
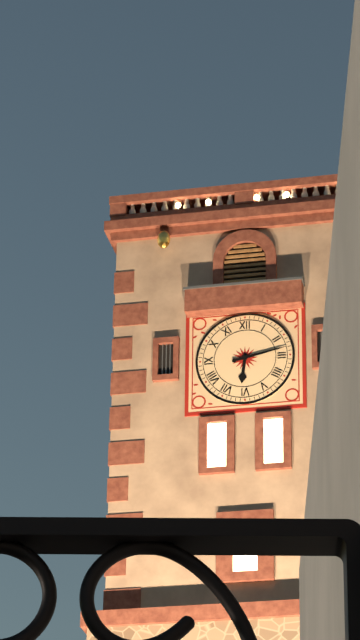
6:13
